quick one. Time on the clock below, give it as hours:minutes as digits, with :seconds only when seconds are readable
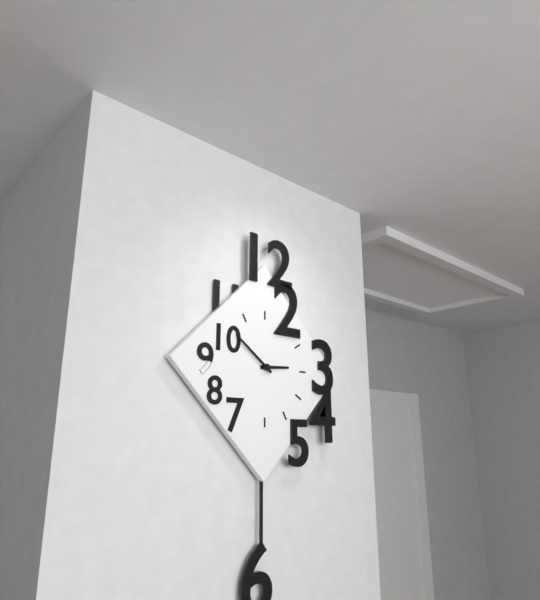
2:51
